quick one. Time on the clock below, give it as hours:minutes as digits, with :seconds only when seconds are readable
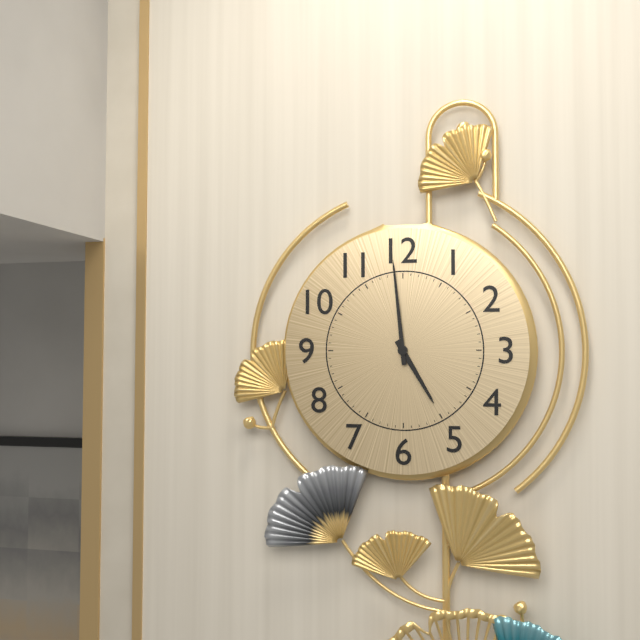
4:59
